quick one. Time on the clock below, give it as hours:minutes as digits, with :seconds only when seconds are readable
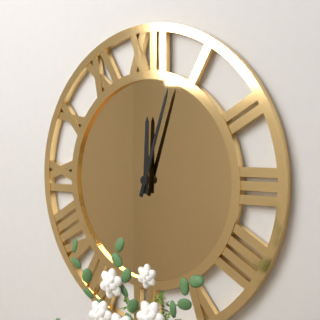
12:03
